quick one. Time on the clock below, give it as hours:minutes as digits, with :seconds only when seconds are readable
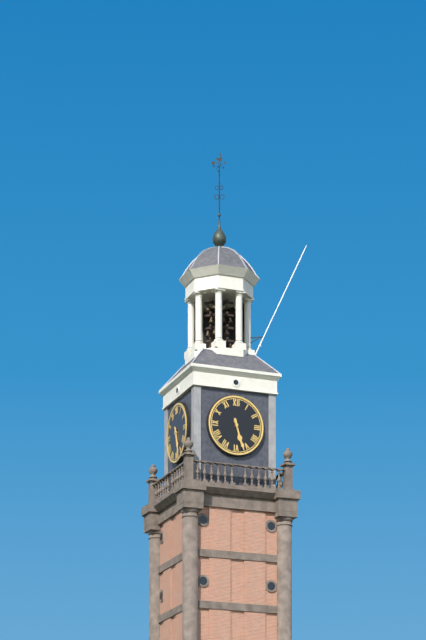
5:27
